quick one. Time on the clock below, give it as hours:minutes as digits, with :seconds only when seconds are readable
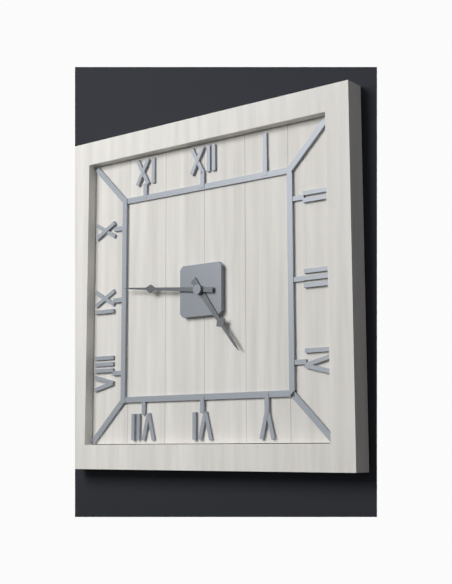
4:46
